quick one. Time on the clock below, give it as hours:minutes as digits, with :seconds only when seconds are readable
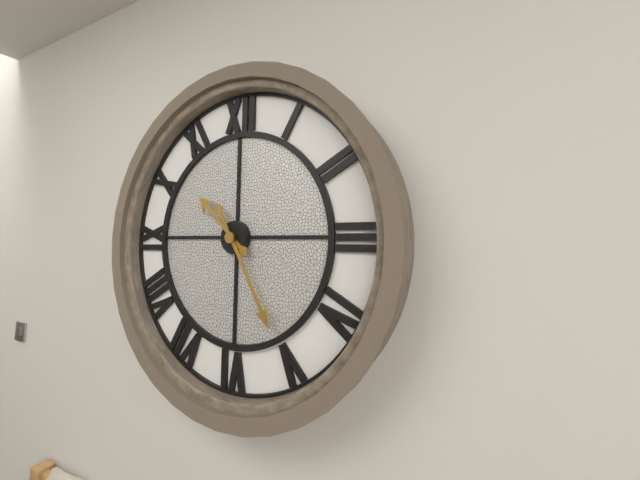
10:25
